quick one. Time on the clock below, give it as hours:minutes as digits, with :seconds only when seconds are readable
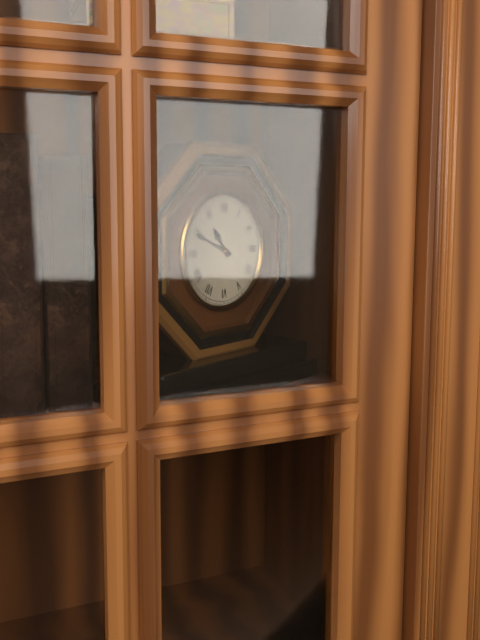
10:49
